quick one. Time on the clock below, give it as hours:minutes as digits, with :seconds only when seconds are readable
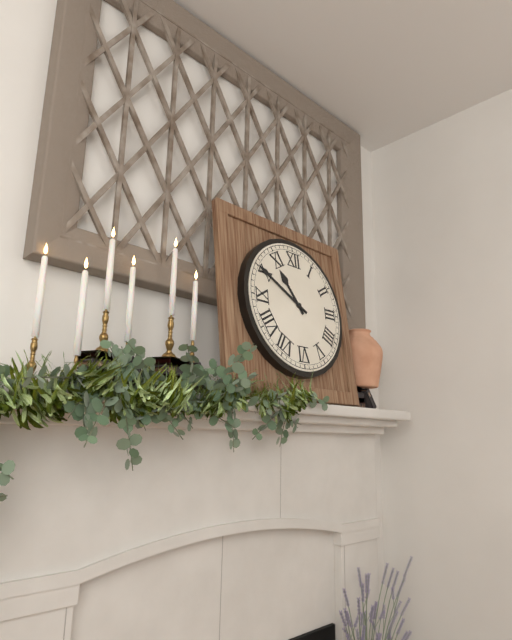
10:50
